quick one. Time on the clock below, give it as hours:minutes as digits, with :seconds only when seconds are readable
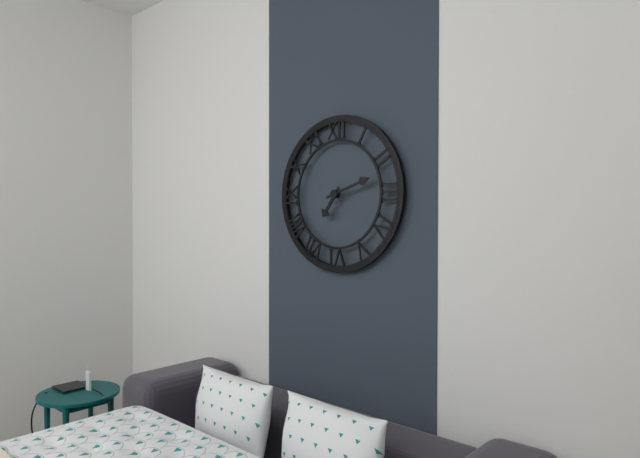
7:12
